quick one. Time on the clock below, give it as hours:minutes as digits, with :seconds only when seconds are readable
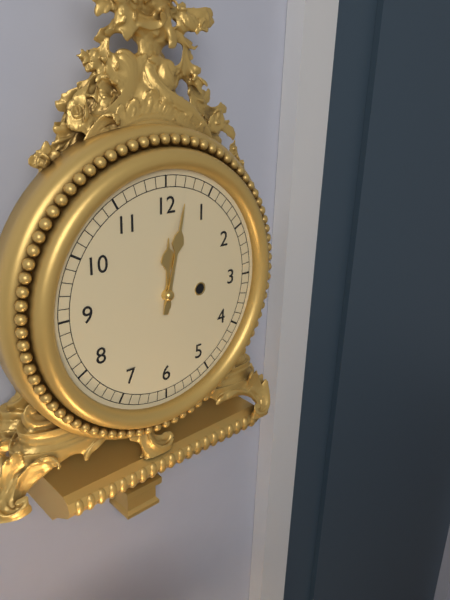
12:02
